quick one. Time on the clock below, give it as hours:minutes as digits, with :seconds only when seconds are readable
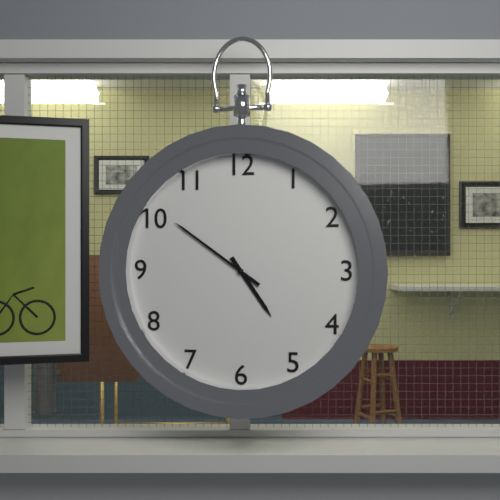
4:51
